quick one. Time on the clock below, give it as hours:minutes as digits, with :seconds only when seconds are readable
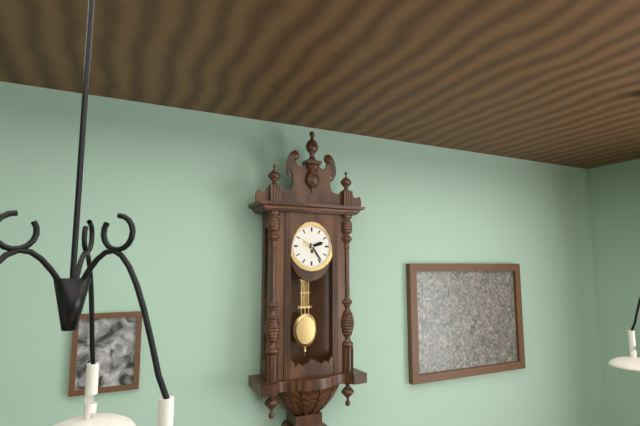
2:24
